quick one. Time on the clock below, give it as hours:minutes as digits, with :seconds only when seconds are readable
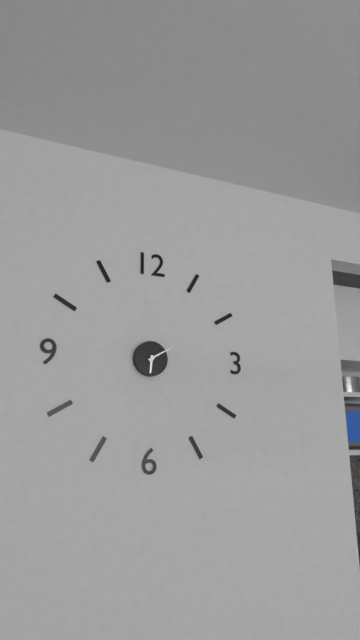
6:10
